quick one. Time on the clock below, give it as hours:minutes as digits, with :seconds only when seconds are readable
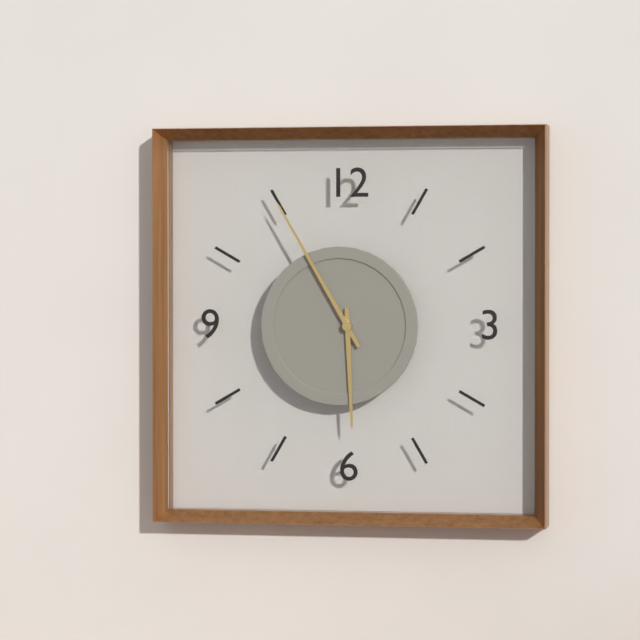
5:55
